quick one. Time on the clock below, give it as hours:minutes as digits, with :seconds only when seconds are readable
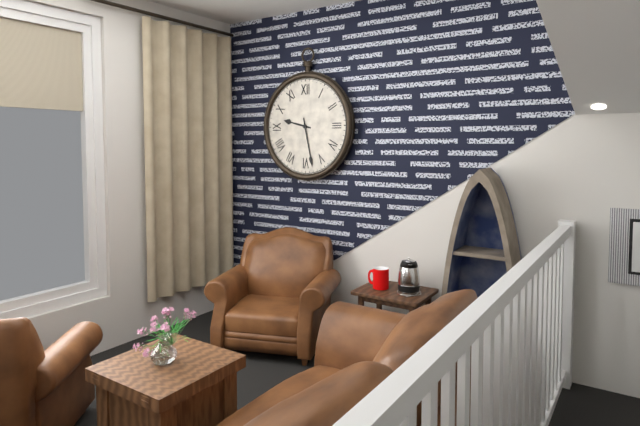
9:28
